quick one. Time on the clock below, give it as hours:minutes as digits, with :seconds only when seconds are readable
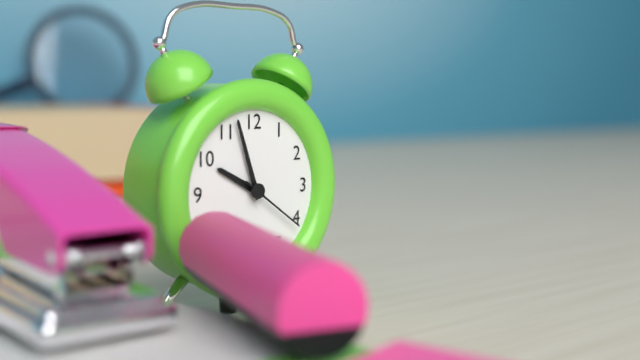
9:57:21
